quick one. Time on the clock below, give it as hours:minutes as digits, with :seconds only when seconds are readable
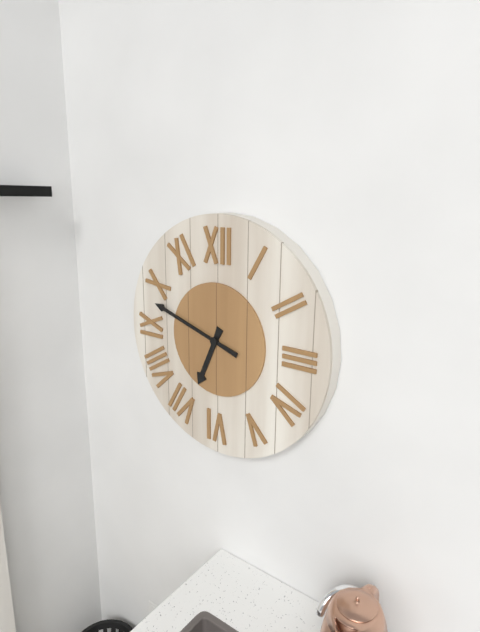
6:48
